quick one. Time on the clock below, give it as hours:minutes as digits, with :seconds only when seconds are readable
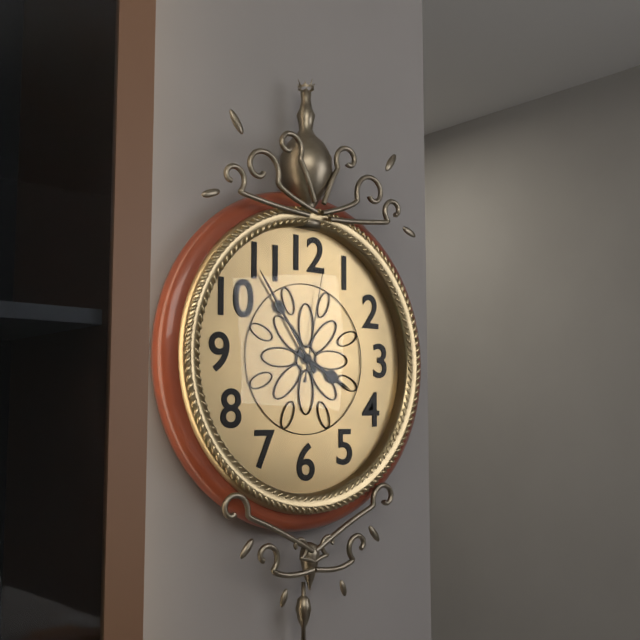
3:54:02
